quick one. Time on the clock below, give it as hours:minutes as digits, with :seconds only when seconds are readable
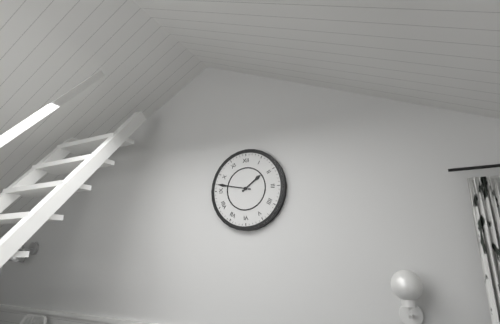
1:47
